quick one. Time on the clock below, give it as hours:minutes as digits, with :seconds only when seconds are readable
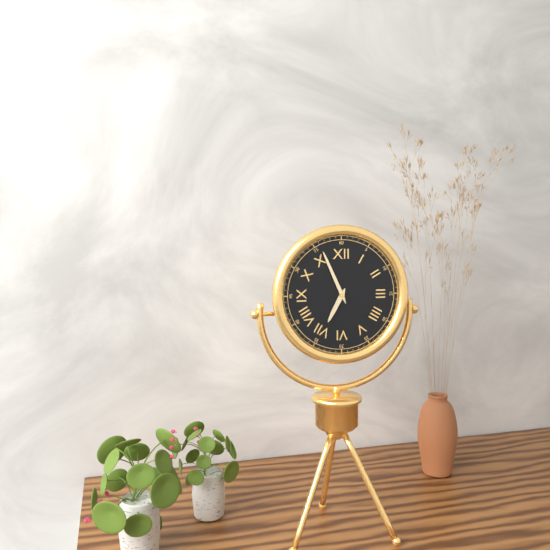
6:56
